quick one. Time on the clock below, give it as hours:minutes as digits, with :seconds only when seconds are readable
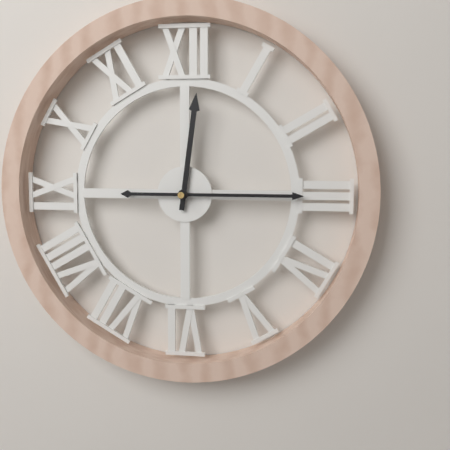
12:15
